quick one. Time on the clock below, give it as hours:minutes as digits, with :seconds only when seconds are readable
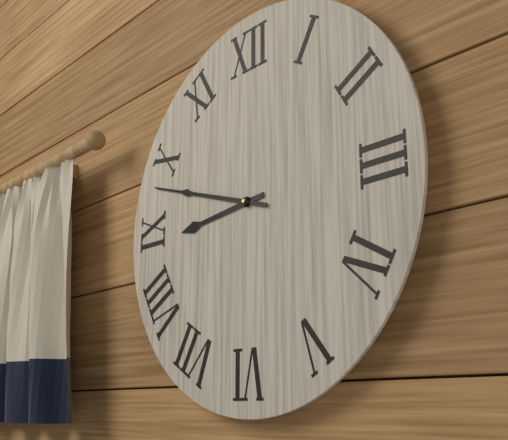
8:48
